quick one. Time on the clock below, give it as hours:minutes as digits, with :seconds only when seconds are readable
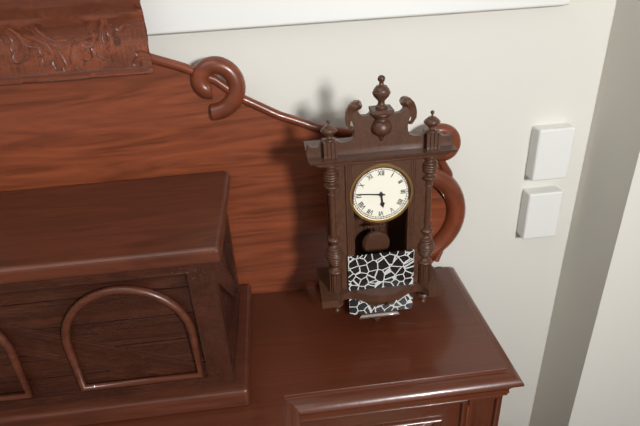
5:46
